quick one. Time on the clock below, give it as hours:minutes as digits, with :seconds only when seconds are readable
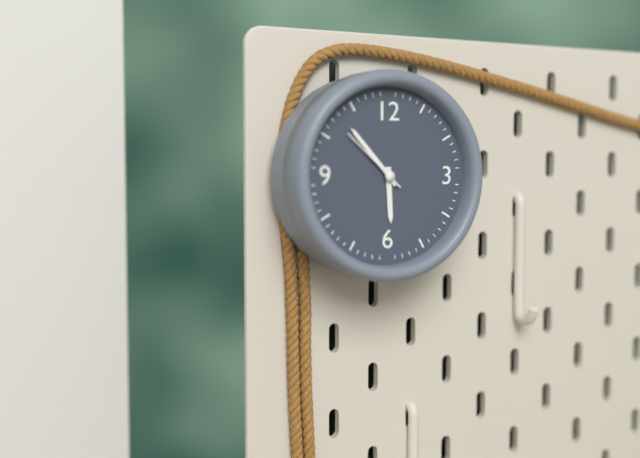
5:53:52
